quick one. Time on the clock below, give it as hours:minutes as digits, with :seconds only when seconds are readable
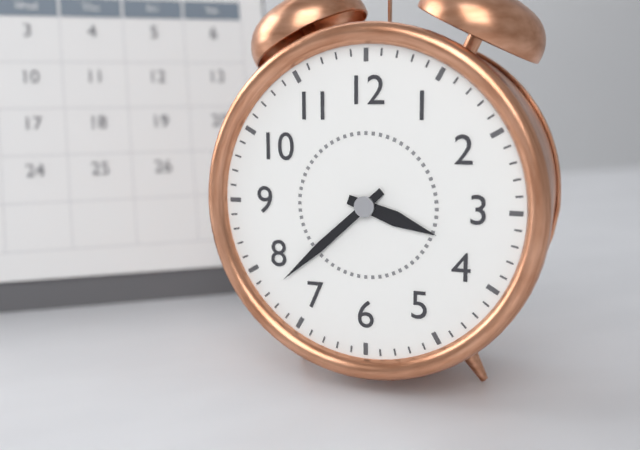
3:38
